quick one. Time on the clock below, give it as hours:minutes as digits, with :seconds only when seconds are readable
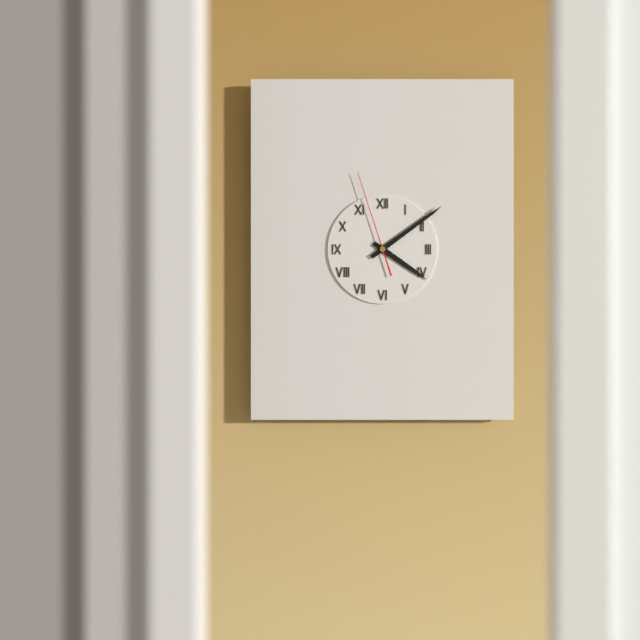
4:09:57
